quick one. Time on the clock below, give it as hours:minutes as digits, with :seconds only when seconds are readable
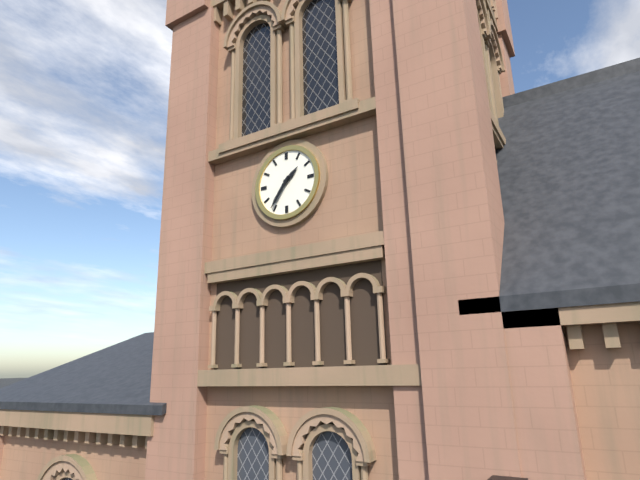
1:36
